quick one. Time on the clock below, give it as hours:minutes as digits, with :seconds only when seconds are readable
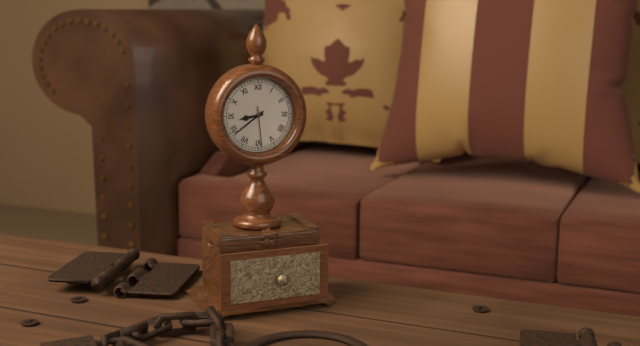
8:39
